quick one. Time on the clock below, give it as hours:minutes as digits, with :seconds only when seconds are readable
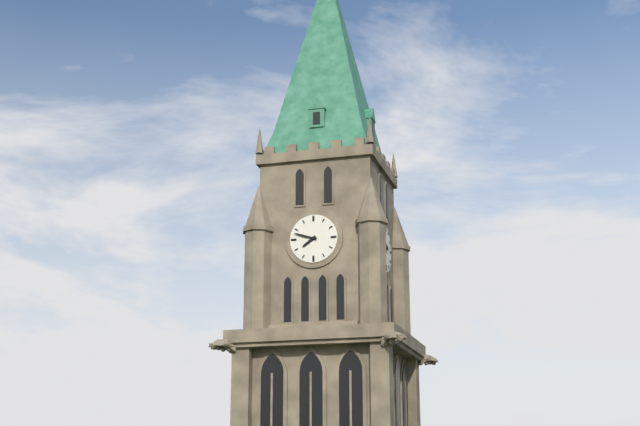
7:48
